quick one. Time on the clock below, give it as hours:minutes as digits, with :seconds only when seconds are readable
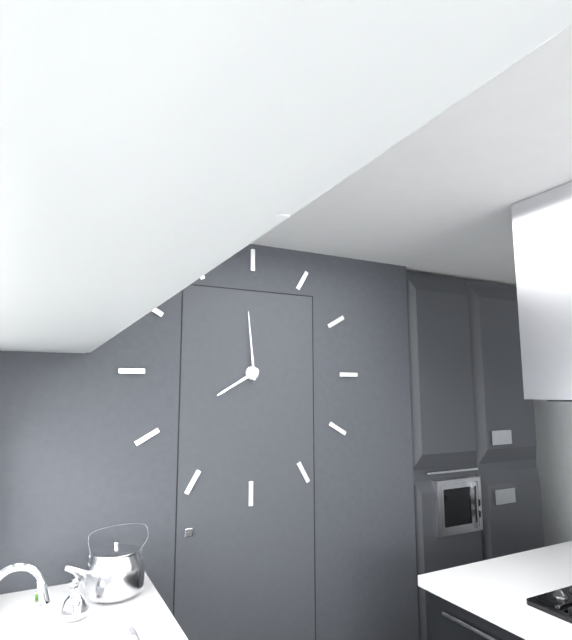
7:59
